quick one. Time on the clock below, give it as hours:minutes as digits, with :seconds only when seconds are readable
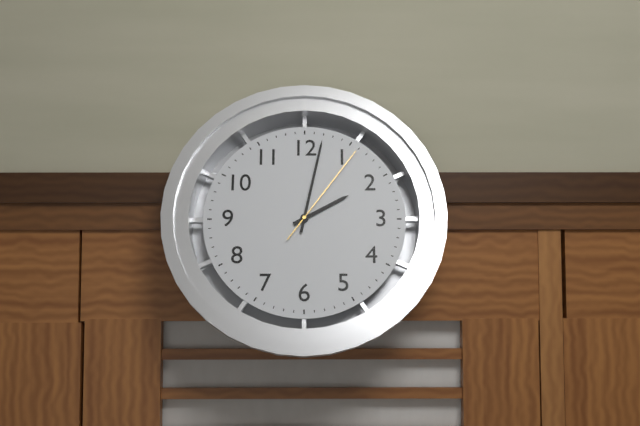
2:02:06
